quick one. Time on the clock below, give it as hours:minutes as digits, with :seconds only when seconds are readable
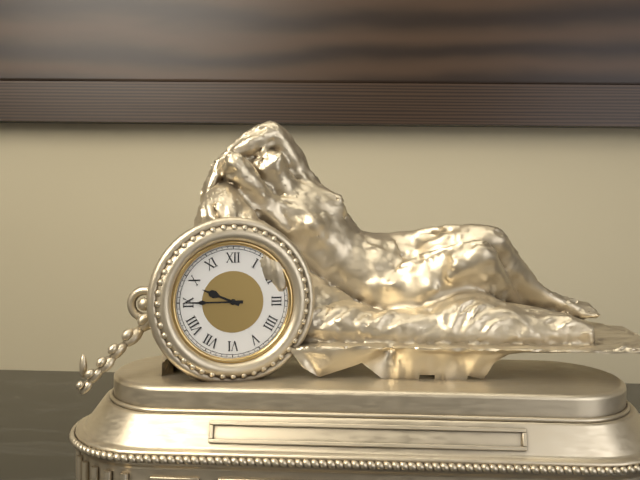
9:45
